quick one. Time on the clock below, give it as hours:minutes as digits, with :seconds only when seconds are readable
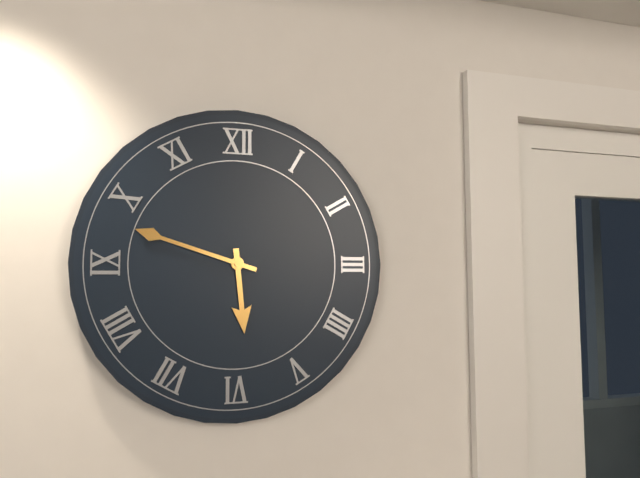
5:48
